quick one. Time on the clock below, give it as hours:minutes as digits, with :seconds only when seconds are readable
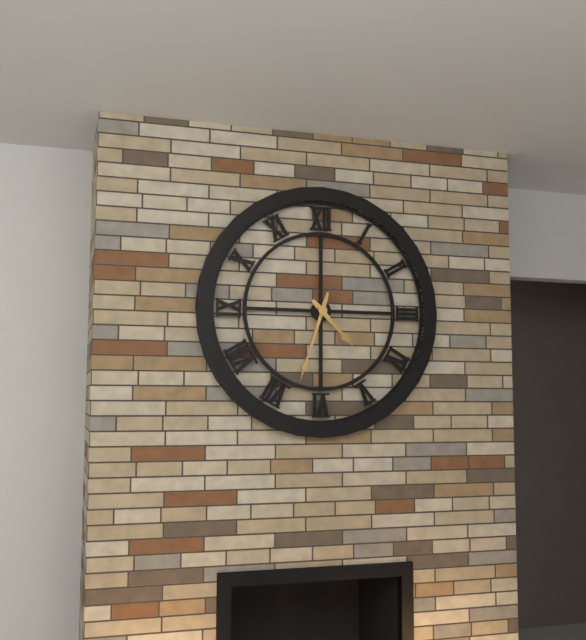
4:33
